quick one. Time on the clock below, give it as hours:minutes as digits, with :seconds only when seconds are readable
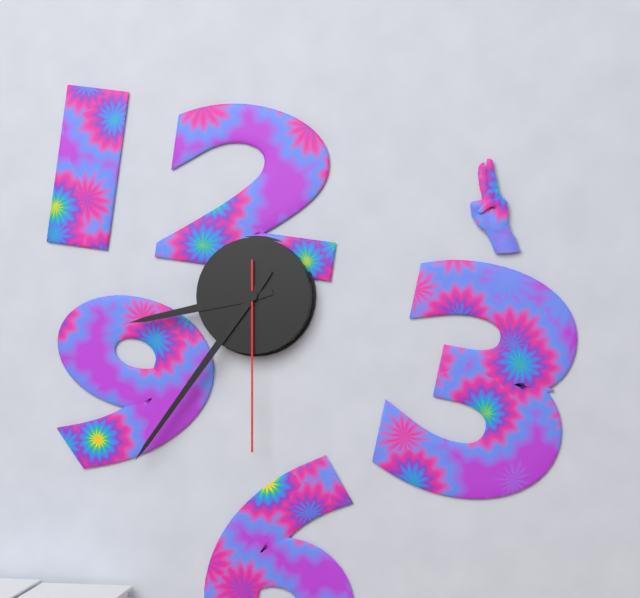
8:36:30
